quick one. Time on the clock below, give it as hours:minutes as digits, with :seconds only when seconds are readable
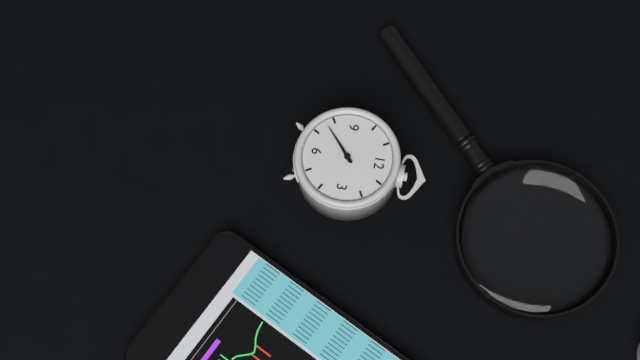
7:38
